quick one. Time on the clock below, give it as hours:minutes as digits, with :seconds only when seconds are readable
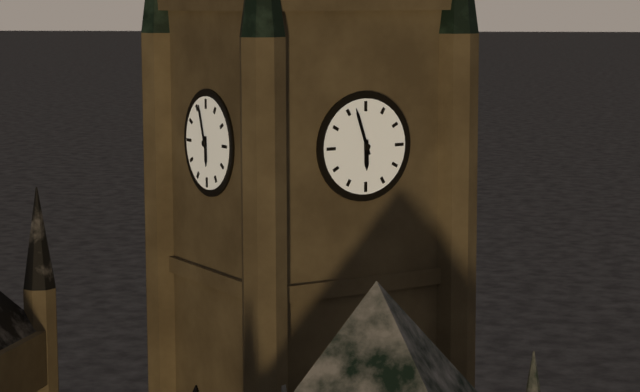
5:57
